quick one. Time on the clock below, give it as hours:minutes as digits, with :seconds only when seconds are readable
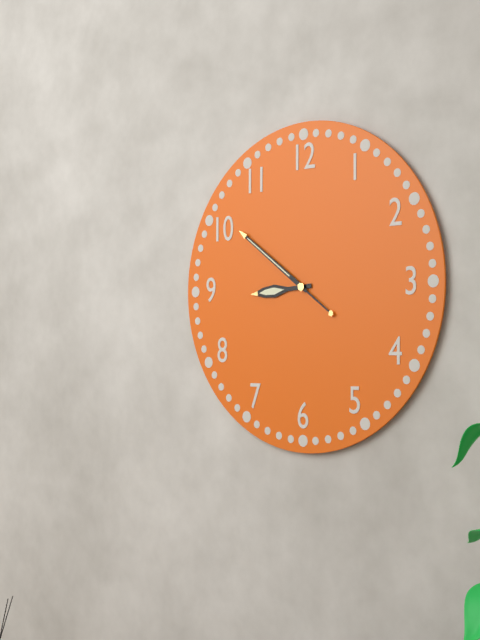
8:51
